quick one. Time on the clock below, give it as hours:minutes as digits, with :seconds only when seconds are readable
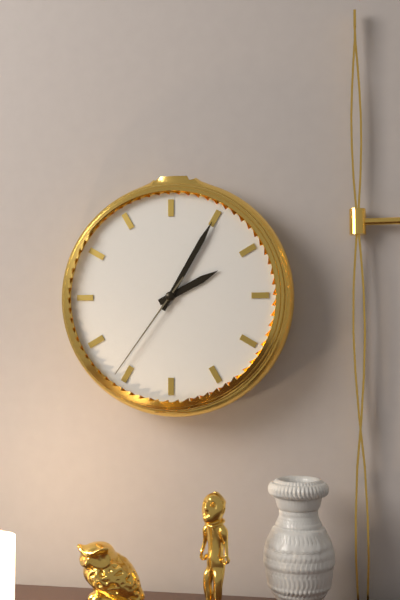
2:05:36
